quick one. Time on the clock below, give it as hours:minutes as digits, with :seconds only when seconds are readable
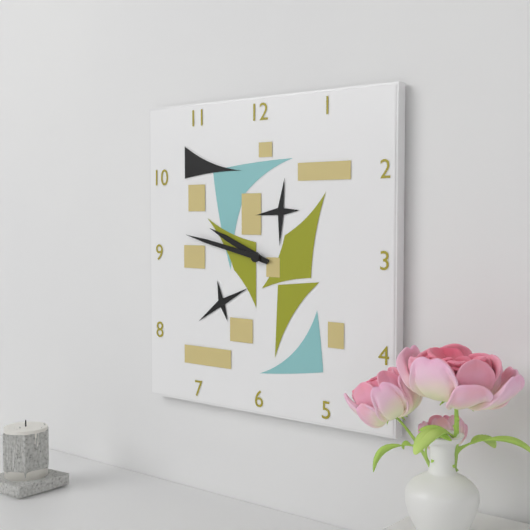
9:47
